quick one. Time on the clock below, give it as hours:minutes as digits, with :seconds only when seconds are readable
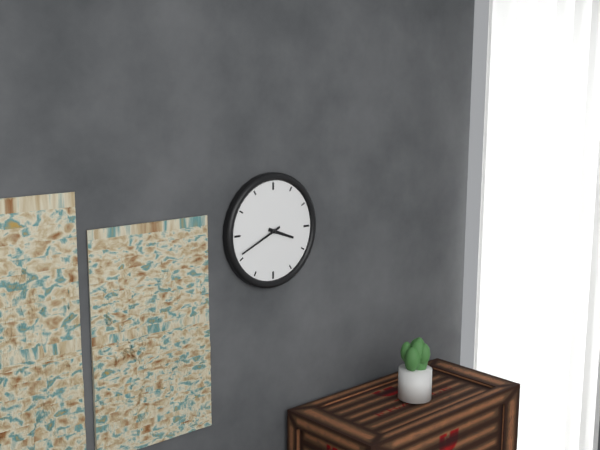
3:41
